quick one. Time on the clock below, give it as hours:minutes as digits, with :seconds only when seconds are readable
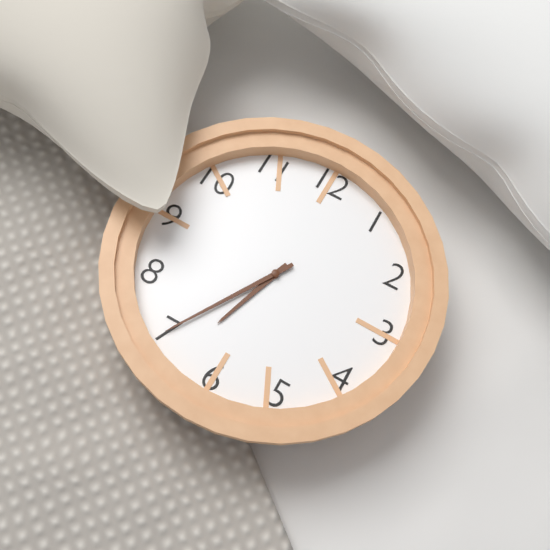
6:35
